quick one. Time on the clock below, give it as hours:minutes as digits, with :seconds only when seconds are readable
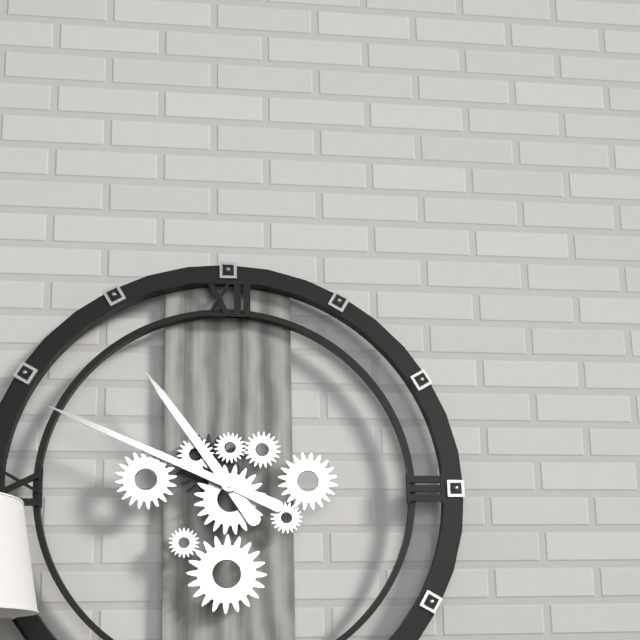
10:49
